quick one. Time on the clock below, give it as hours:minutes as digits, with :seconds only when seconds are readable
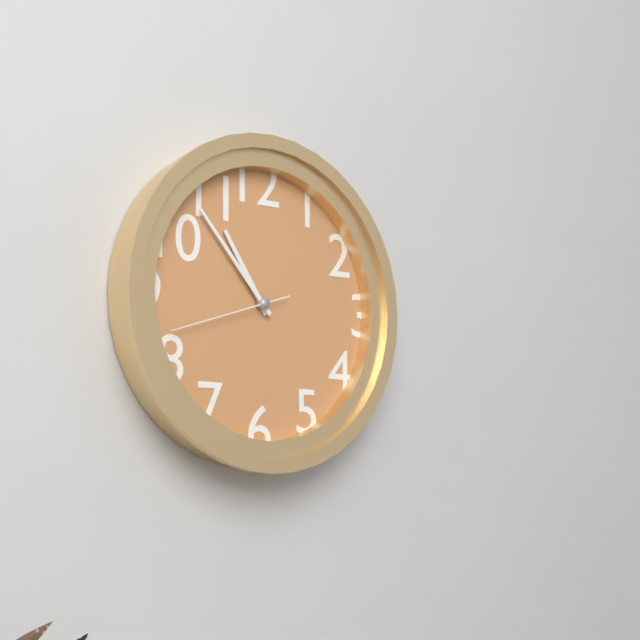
10:53:42
